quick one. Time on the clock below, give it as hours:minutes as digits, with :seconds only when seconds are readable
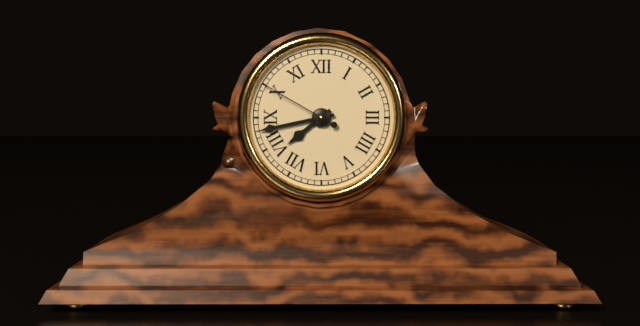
7:43:50
